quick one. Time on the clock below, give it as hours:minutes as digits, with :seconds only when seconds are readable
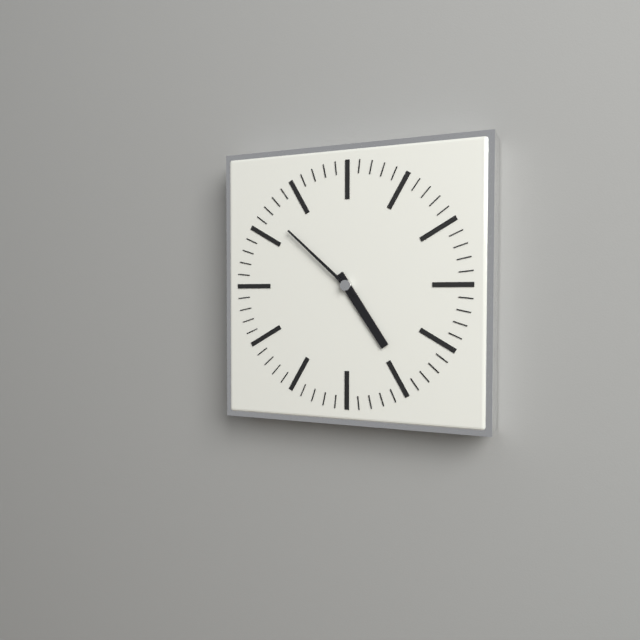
4:52
